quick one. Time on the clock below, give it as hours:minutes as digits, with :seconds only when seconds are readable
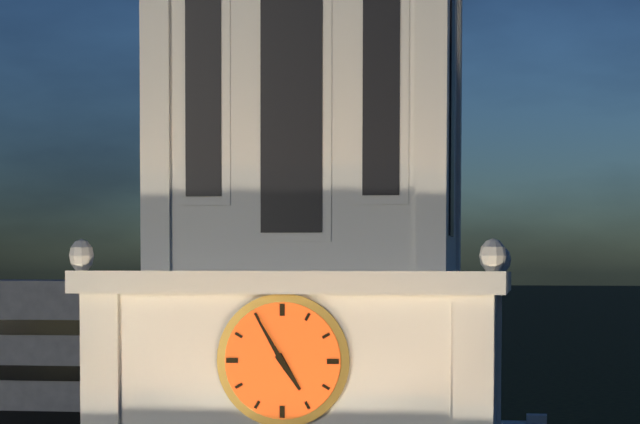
4:55
